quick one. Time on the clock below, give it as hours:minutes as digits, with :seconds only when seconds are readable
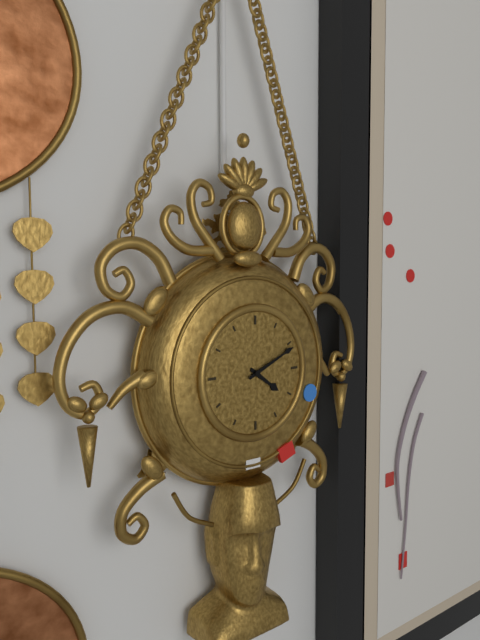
4:11
